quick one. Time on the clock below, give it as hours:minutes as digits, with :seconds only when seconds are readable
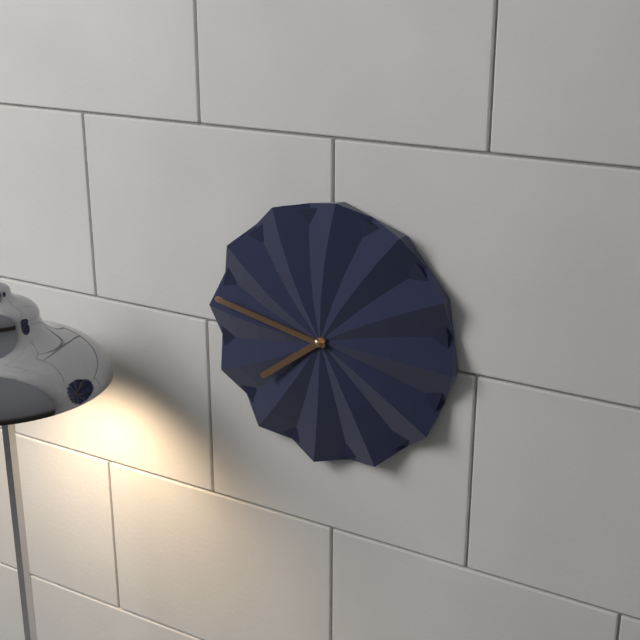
7:47
